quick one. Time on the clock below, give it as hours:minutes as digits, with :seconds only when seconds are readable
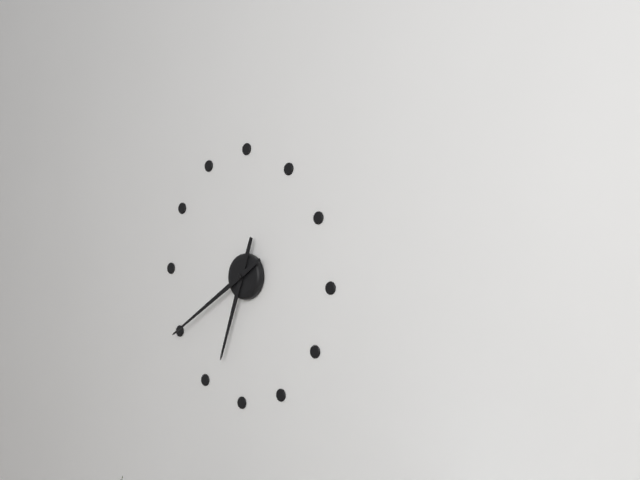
6:40
